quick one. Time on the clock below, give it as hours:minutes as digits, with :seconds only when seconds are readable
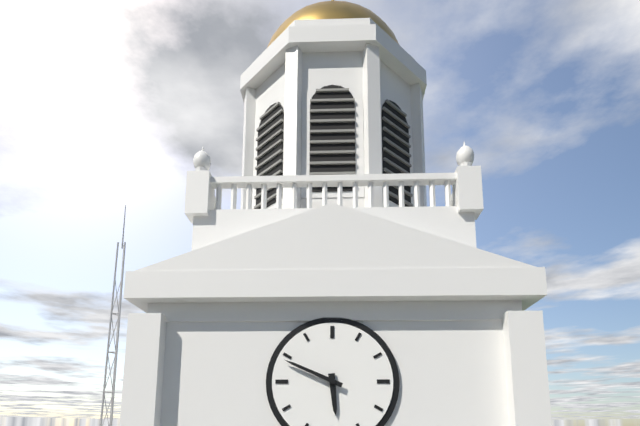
5:49
